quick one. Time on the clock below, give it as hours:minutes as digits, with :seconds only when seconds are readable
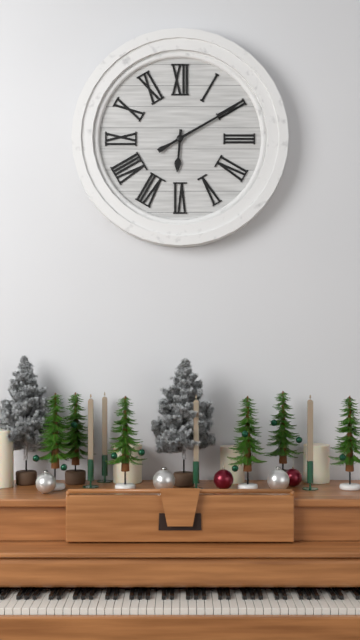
6:10
